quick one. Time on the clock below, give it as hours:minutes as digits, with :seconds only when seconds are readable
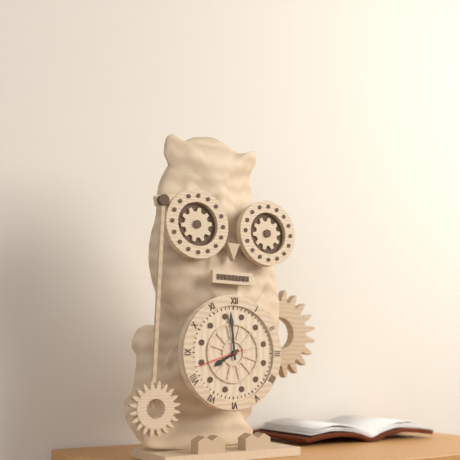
7:59
